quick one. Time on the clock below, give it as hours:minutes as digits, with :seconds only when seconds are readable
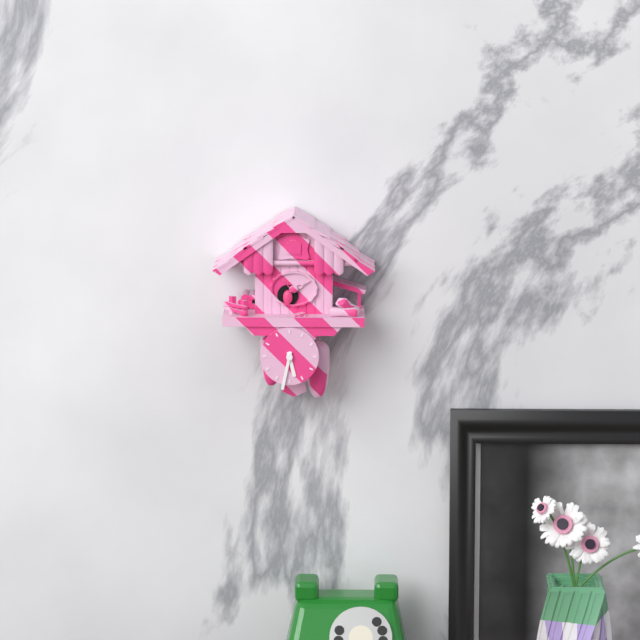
5:32
